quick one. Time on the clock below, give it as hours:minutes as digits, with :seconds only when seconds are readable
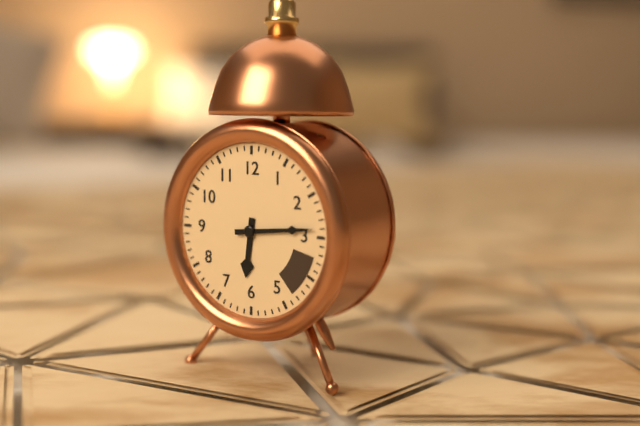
6:14
